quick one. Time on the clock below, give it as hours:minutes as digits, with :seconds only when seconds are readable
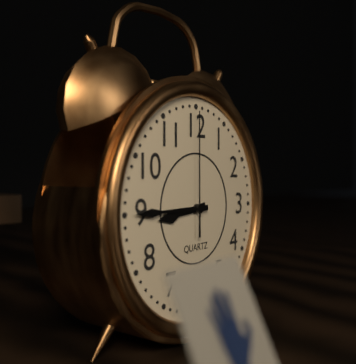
8:45:00
